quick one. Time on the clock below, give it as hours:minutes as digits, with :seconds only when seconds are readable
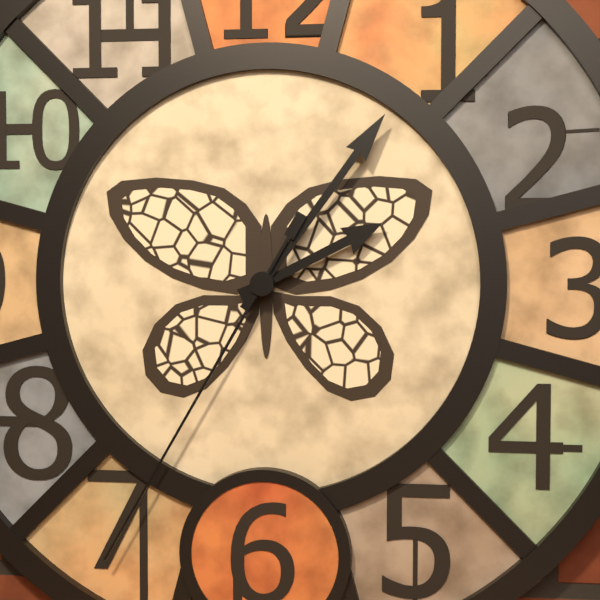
2:06:35
